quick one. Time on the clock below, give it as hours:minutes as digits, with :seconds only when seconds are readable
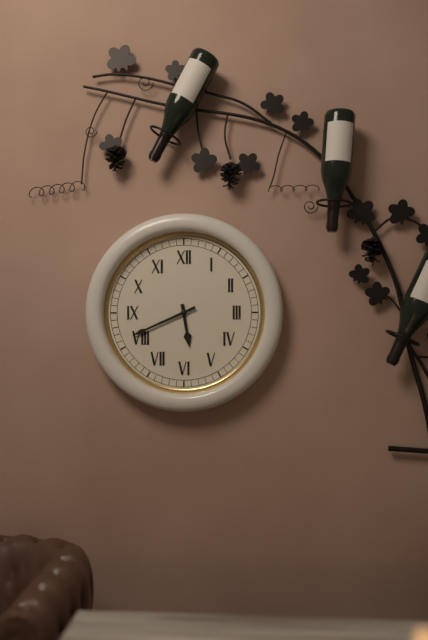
5:41
